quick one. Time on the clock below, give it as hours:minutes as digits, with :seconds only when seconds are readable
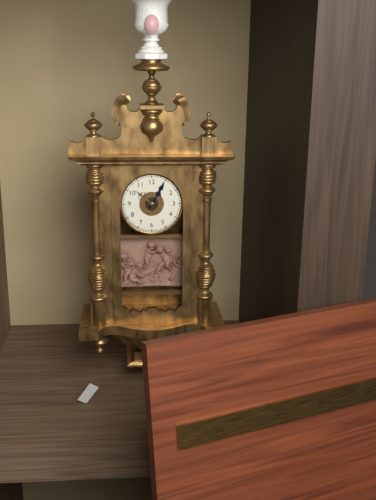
1:05
